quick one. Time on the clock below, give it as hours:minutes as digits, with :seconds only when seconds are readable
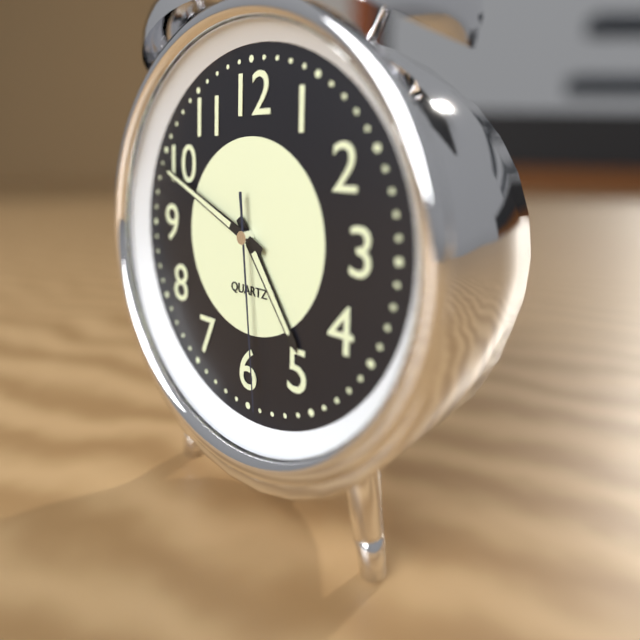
4:49:29
